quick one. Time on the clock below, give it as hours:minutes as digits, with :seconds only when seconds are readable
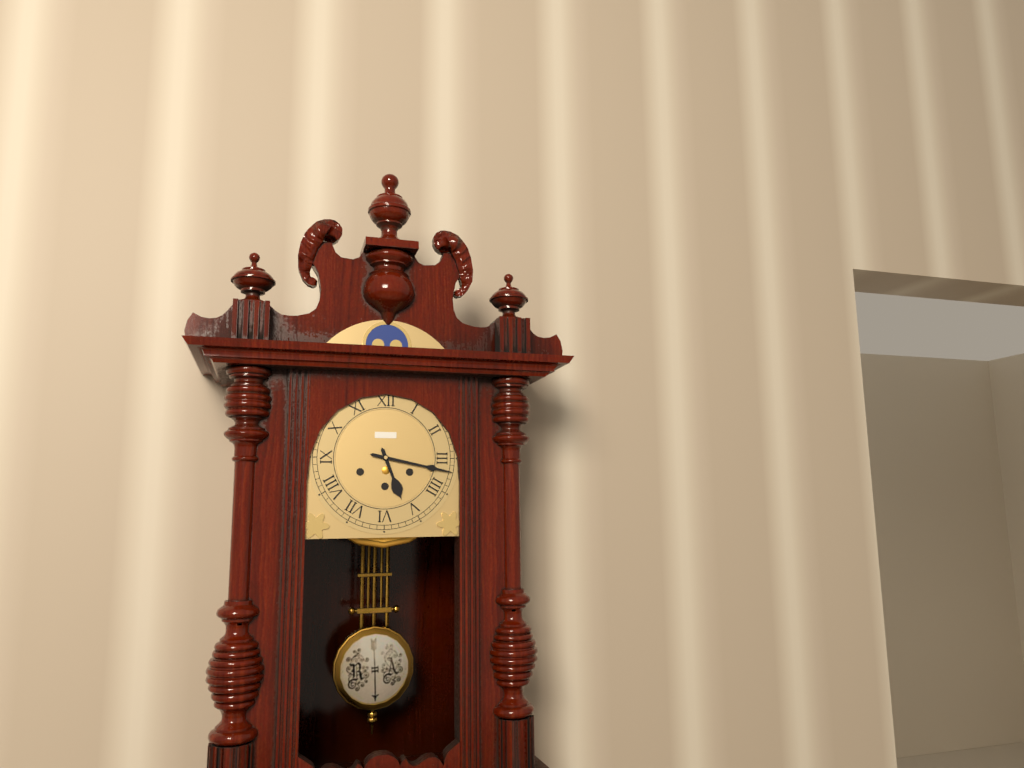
5:17
